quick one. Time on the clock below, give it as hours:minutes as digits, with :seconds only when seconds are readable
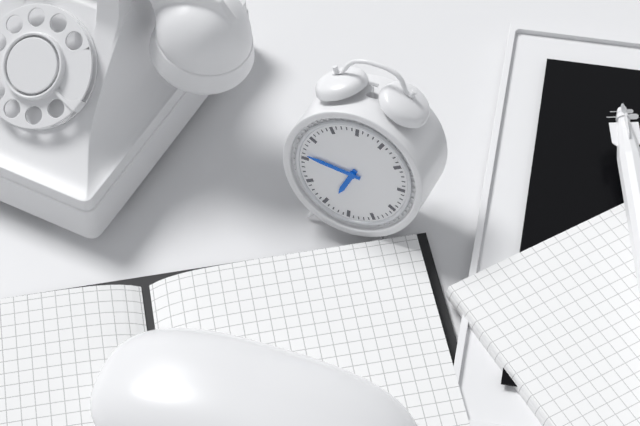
6:46
